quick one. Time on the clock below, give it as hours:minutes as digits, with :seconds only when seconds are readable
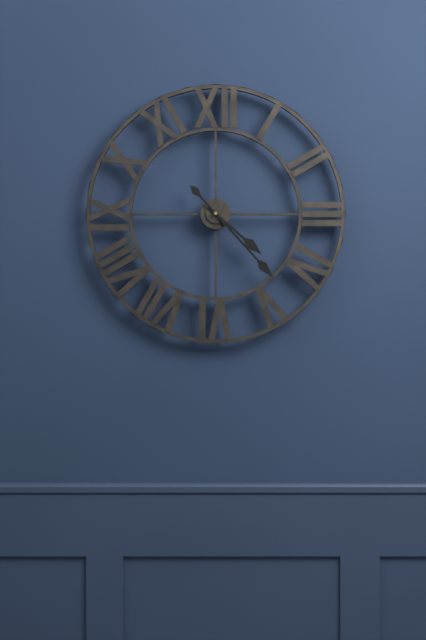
4:23
